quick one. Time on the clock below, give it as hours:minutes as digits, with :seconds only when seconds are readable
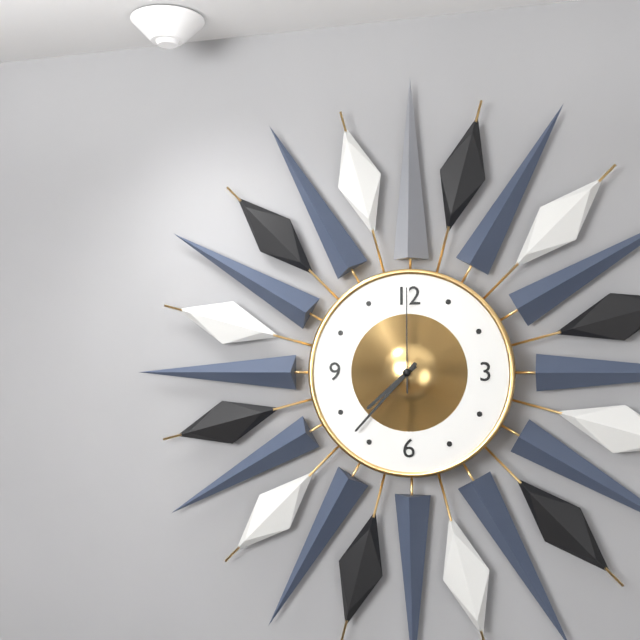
7:37:00
